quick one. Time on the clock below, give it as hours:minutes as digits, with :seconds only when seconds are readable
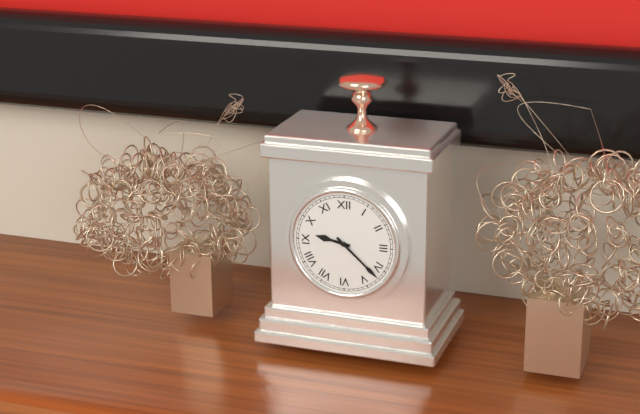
9:22
